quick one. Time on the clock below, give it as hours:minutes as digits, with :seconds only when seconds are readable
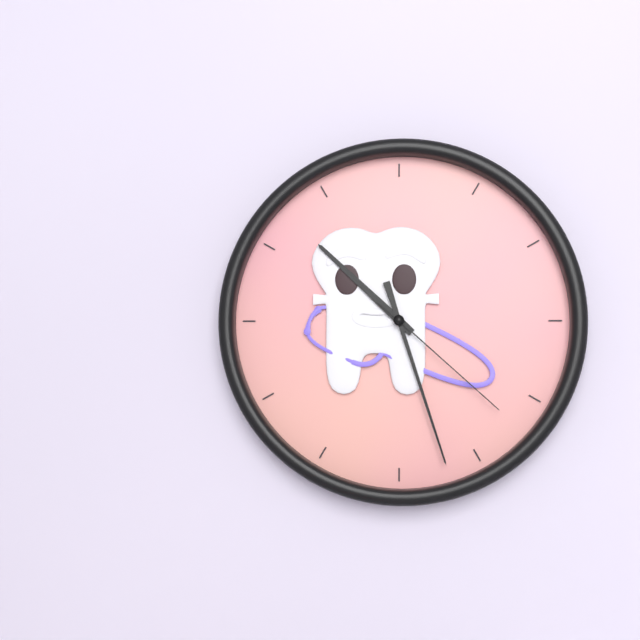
10:27:22
